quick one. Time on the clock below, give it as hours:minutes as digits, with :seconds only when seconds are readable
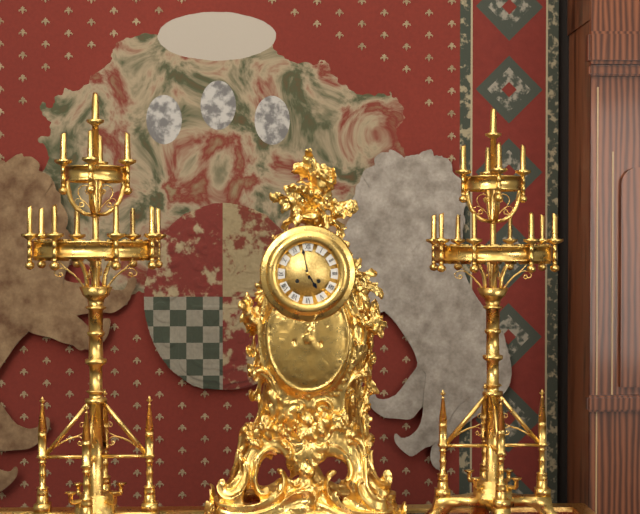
4:58
